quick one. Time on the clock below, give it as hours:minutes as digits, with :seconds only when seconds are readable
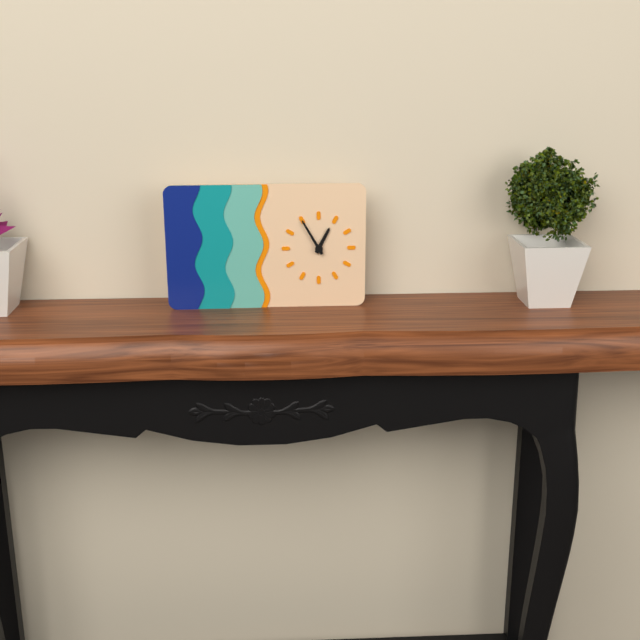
12:55
